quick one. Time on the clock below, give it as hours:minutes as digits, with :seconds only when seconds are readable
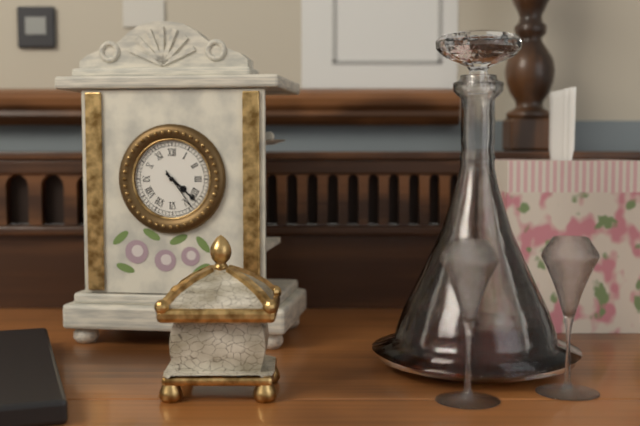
4:22
